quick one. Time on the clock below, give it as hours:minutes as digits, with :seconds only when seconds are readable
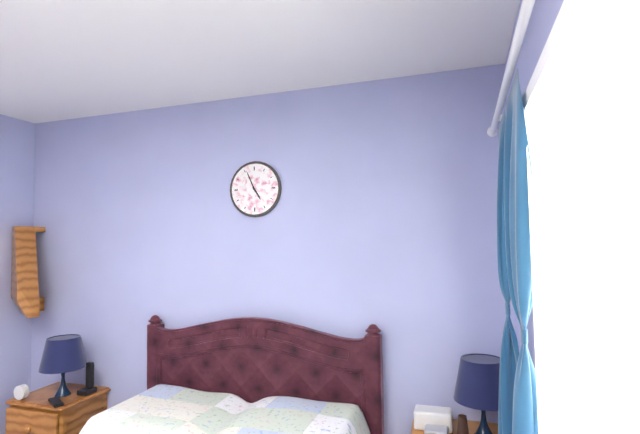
4:56
